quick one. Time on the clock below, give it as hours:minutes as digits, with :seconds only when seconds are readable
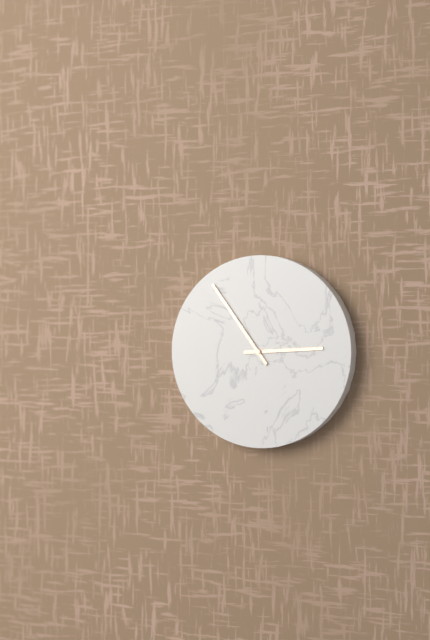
2:54
